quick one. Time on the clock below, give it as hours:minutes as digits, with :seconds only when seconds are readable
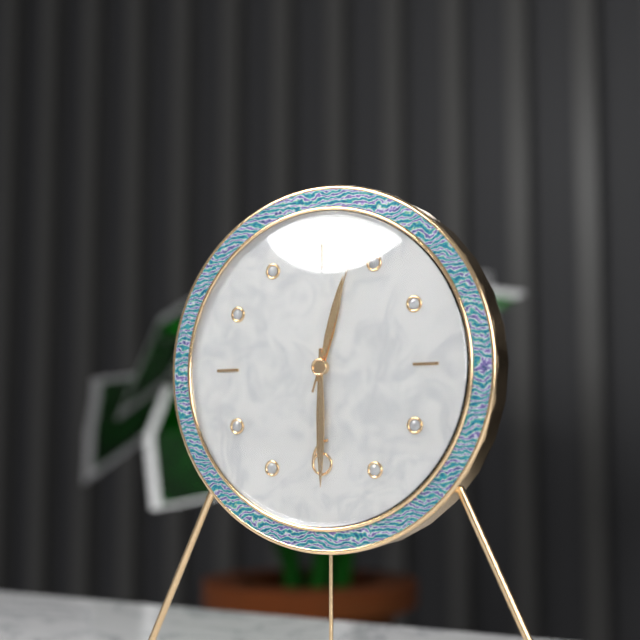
12:30:03
